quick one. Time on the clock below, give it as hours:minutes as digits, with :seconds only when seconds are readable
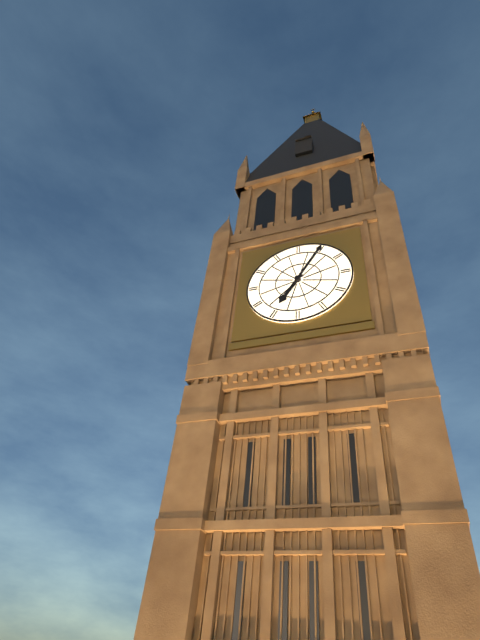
7:05
